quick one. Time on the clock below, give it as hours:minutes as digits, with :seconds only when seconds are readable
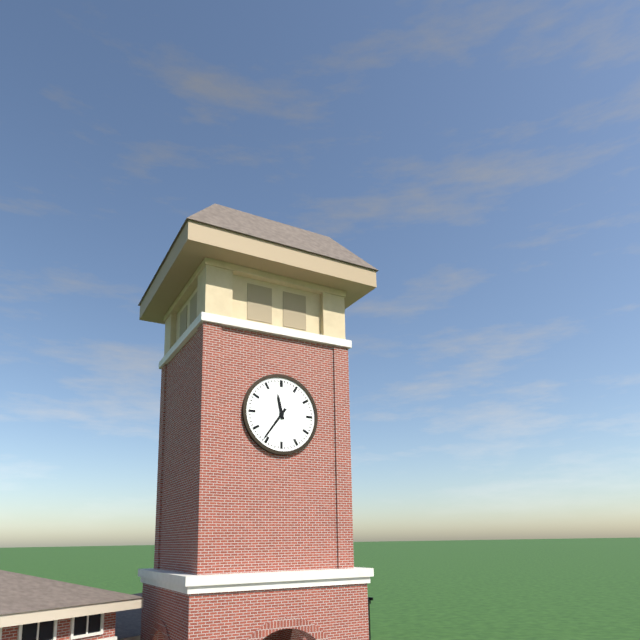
11:36
